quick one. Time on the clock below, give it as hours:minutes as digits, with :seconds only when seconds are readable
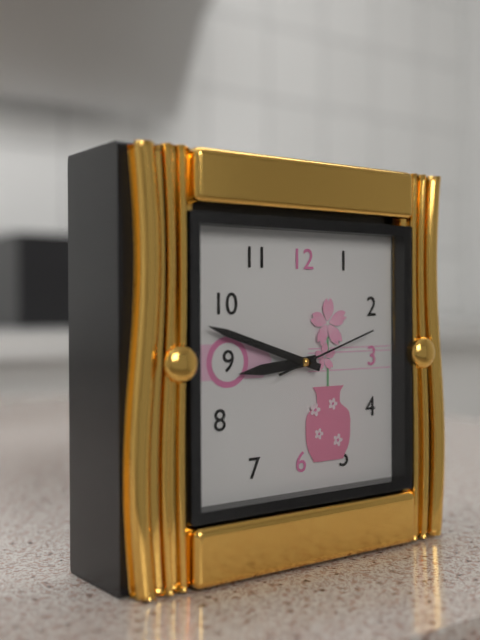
8:48:12
